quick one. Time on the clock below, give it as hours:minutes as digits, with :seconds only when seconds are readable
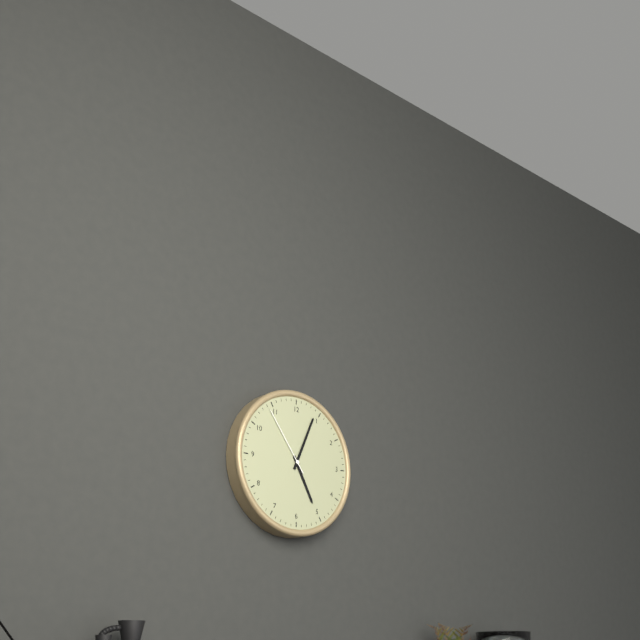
5:04:54
